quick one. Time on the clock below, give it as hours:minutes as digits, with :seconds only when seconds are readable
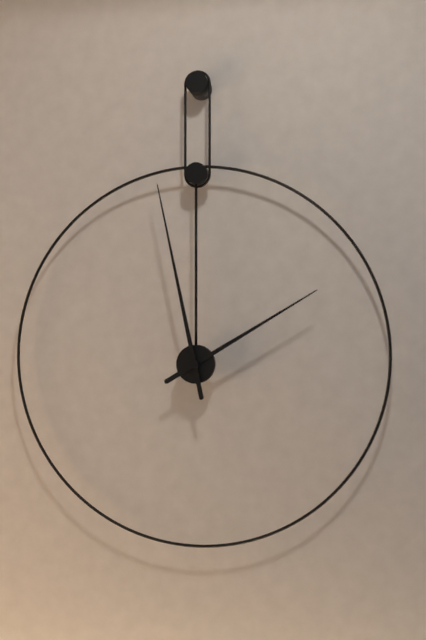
1:58
